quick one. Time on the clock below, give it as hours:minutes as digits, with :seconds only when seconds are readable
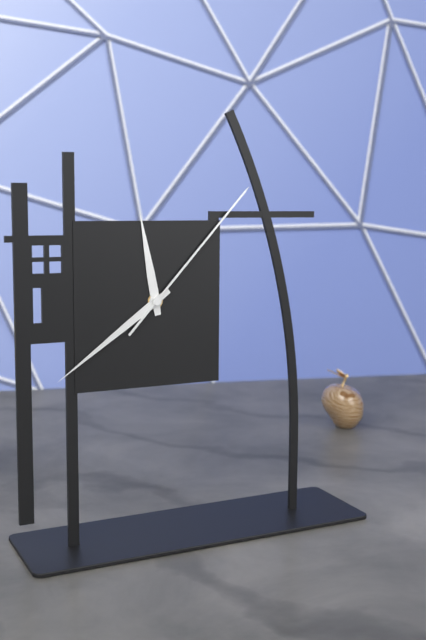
11:39:07
